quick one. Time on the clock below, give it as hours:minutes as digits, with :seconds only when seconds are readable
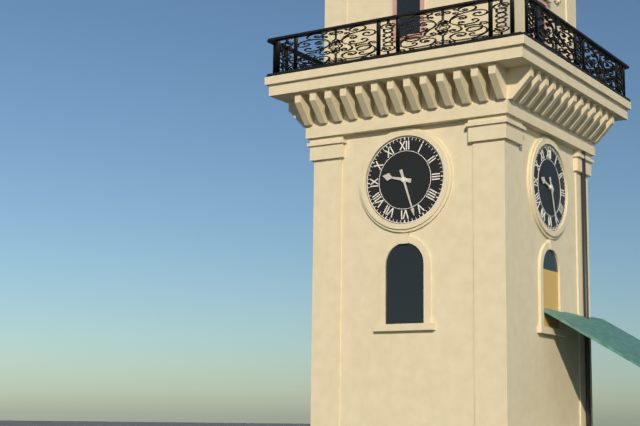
9:27
